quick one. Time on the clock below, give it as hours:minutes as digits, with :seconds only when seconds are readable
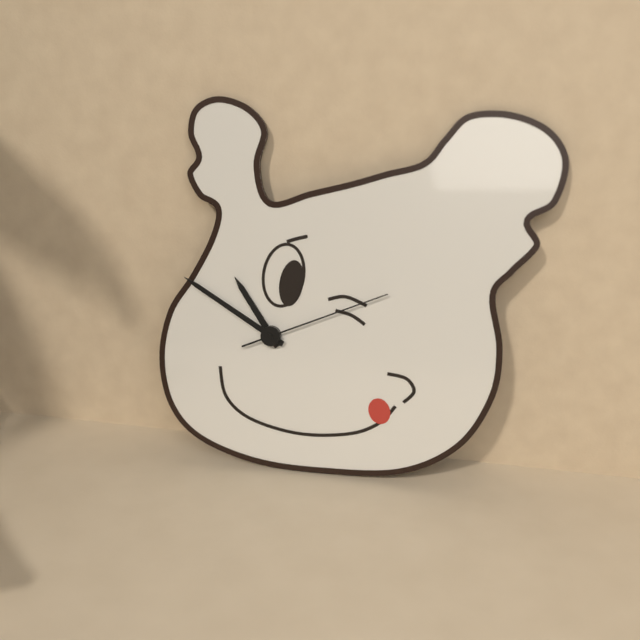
10:50:11
